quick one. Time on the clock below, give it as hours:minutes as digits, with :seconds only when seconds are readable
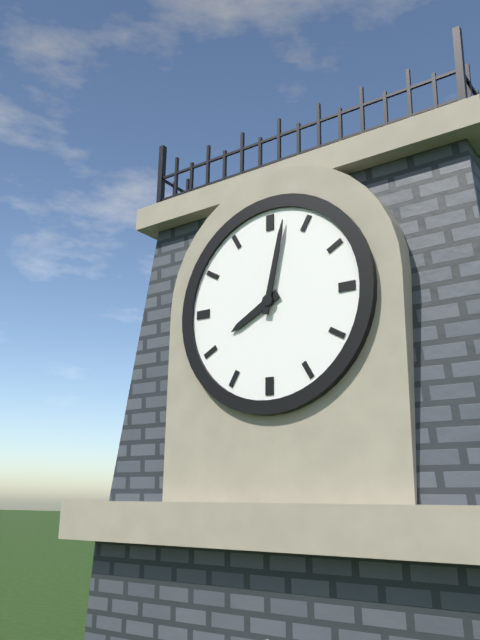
8:02
